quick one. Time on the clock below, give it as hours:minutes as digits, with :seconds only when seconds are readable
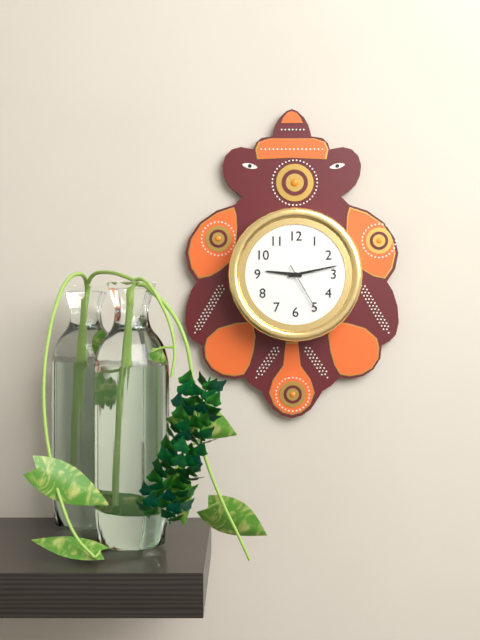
9:13:25
